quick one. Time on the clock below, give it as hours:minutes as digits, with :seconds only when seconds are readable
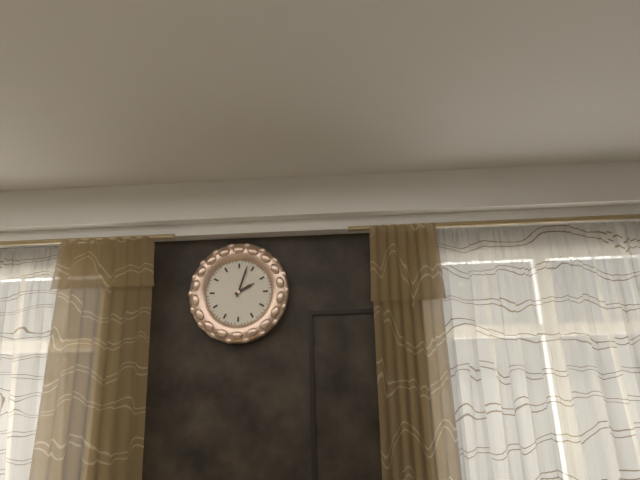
2:03
